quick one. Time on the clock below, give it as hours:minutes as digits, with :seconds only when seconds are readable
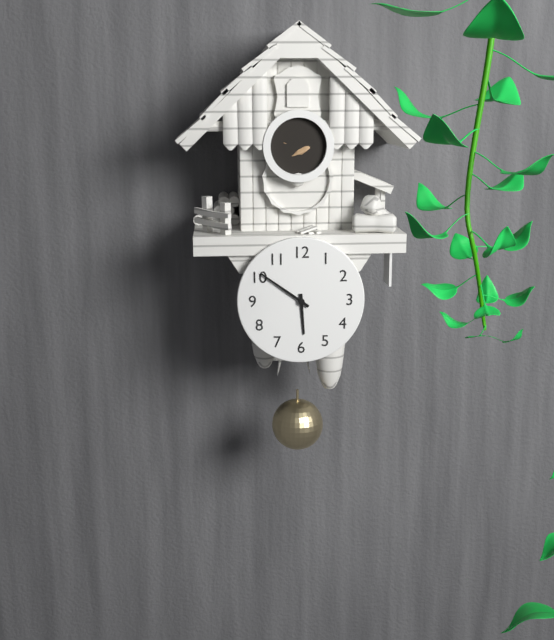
5:51
